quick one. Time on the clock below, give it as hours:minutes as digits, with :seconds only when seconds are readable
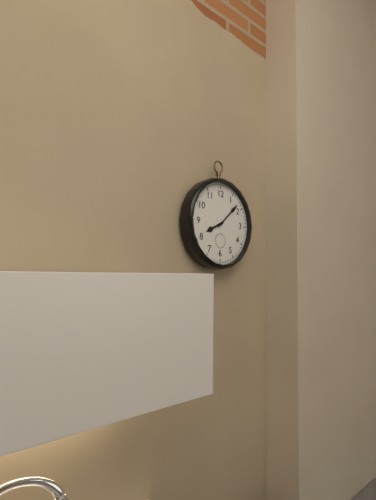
8:08
